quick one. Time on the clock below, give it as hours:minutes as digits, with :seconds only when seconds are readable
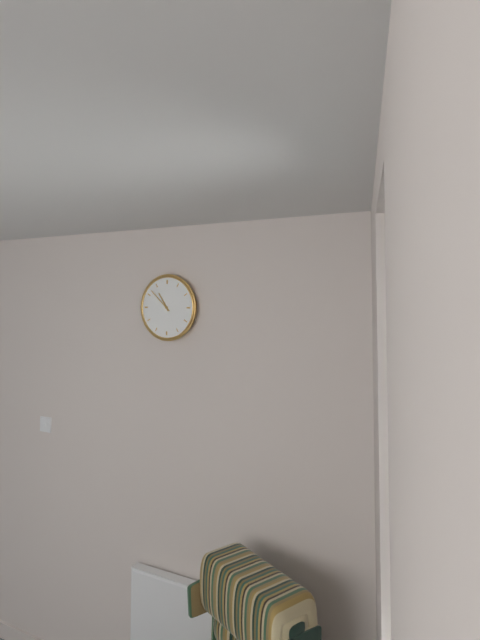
10:52
